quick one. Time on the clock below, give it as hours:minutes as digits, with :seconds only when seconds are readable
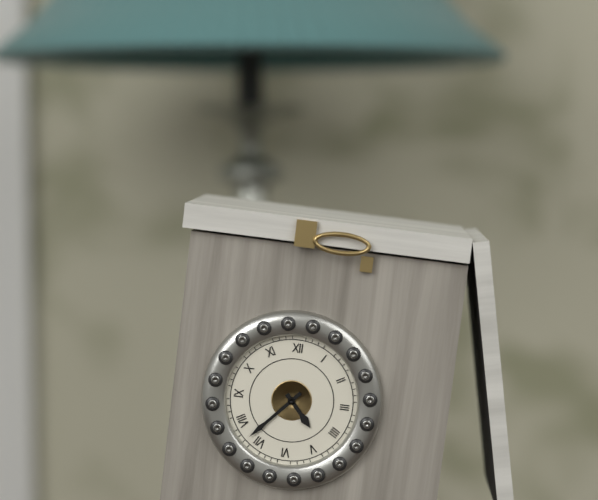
4:37
